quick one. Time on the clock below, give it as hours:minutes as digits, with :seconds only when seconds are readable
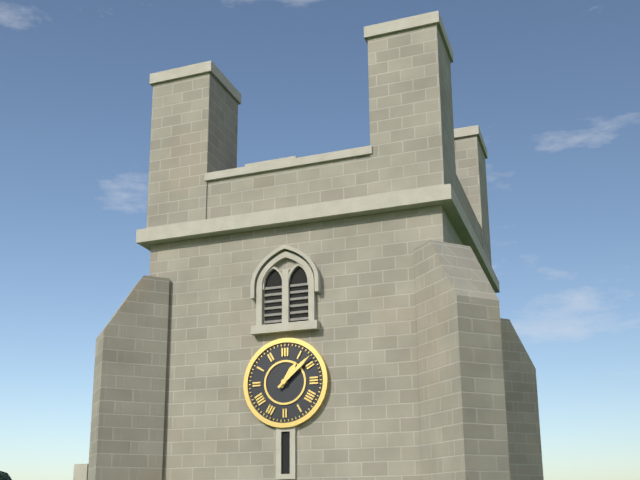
1:08
